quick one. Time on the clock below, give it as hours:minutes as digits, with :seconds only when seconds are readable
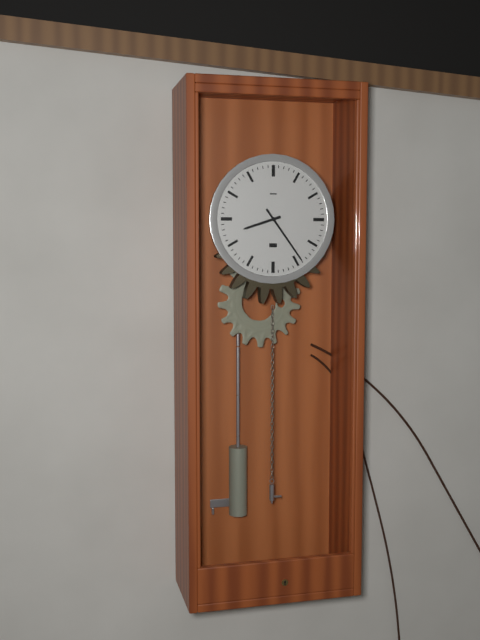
8:24
